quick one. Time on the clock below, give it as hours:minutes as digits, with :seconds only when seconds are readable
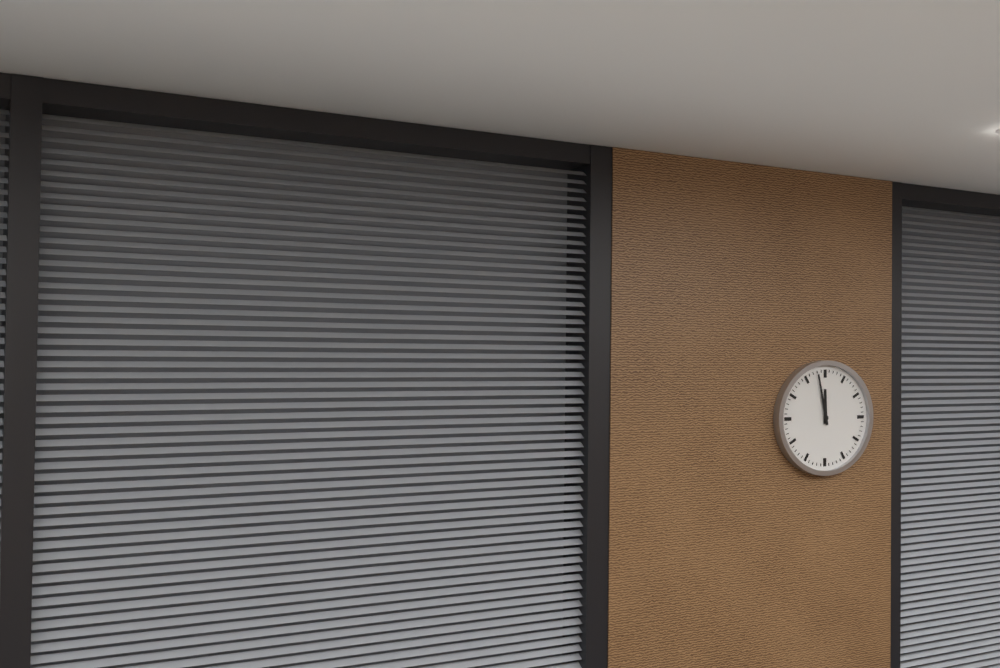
11:58
